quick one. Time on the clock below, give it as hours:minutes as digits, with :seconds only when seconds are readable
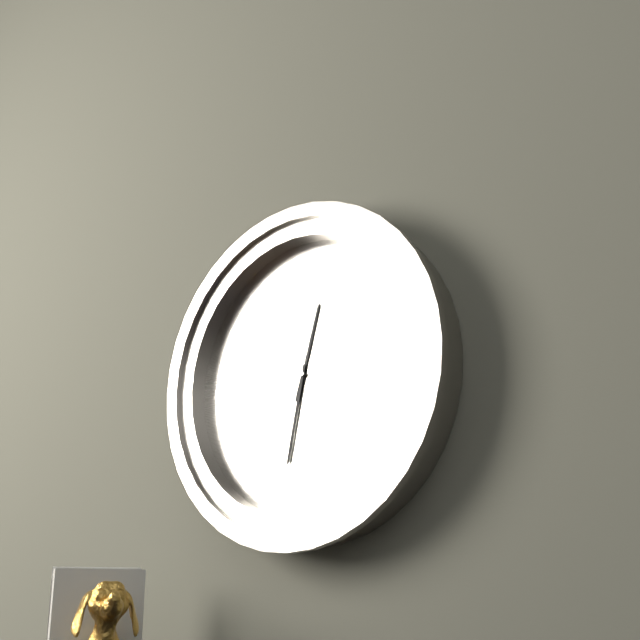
12:32
